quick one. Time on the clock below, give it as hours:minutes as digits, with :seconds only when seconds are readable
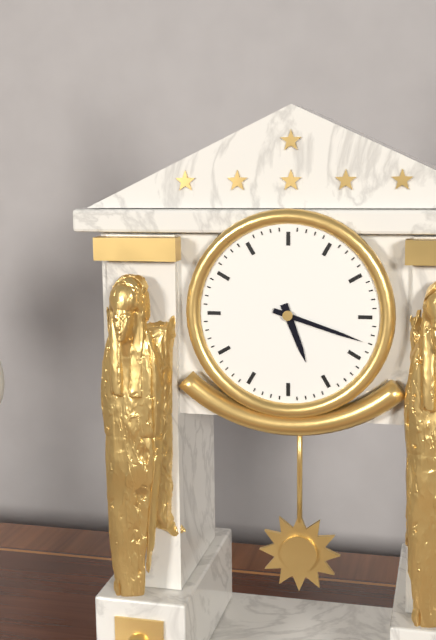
5:18
